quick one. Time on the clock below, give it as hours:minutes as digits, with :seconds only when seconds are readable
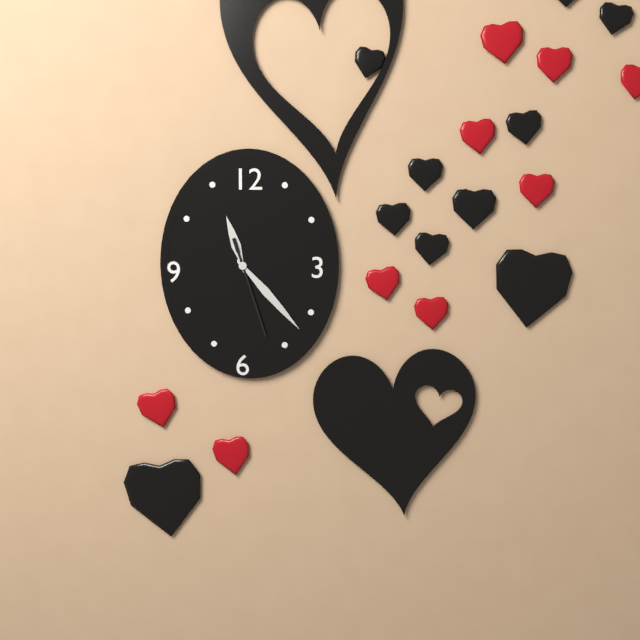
11:23:27
